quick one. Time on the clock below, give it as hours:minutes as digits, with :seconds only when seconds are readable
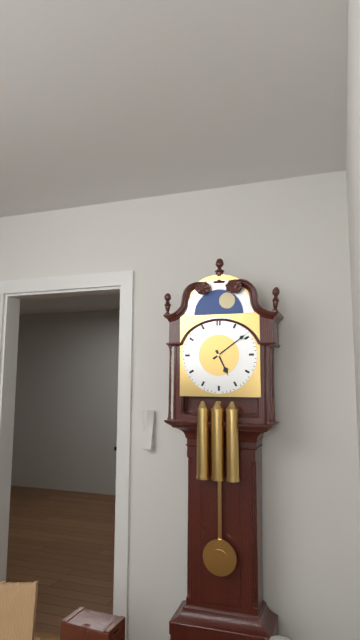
5:09
